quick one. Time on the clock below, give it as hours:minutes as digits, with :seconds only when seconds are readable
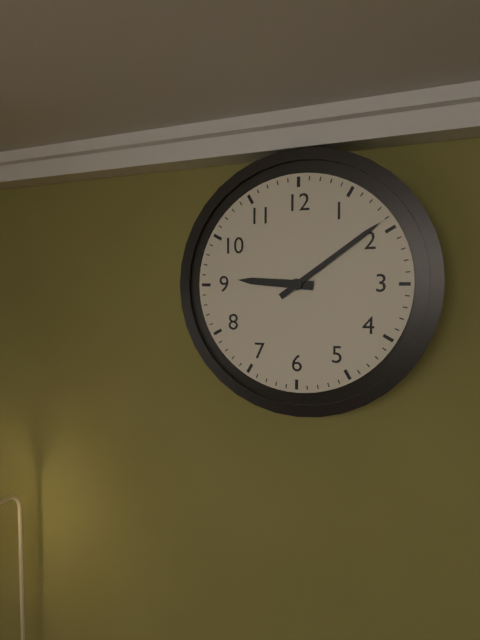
9:09
